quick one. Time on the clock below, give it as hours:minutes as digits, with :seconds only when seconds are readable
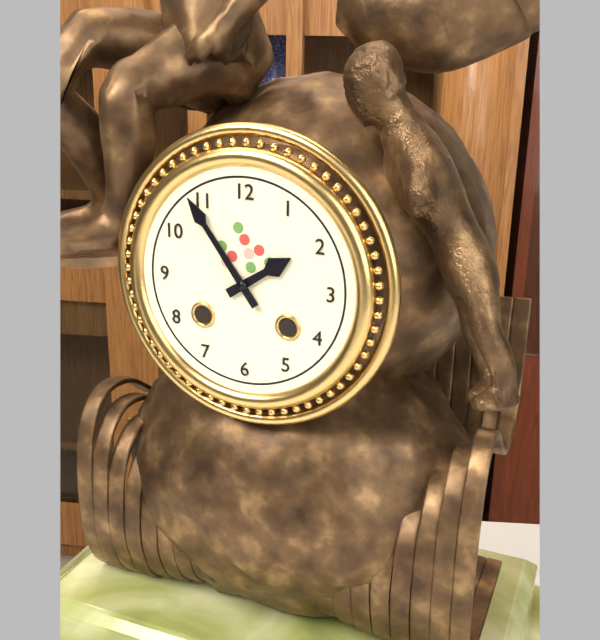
1:54
